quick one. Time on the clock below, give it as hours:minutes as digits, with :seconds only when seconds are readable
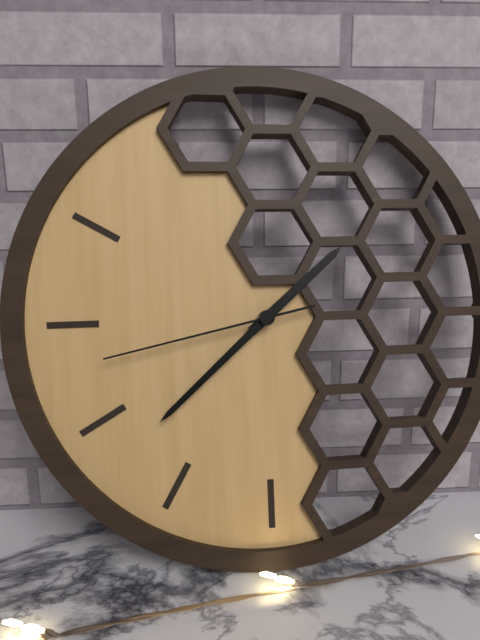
1:38:43
